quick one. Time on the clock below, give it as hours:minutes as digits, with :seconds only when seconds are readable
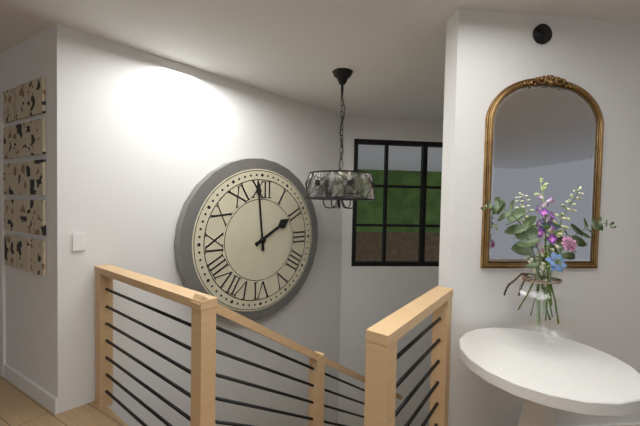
1:59
